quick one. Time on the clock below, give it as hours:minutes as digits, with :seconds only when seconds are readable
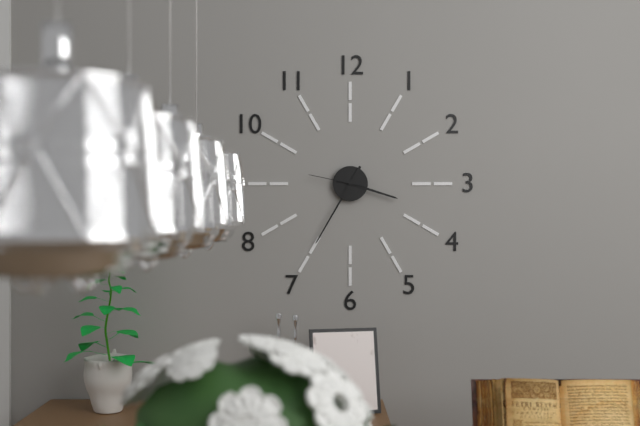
3:35:47
